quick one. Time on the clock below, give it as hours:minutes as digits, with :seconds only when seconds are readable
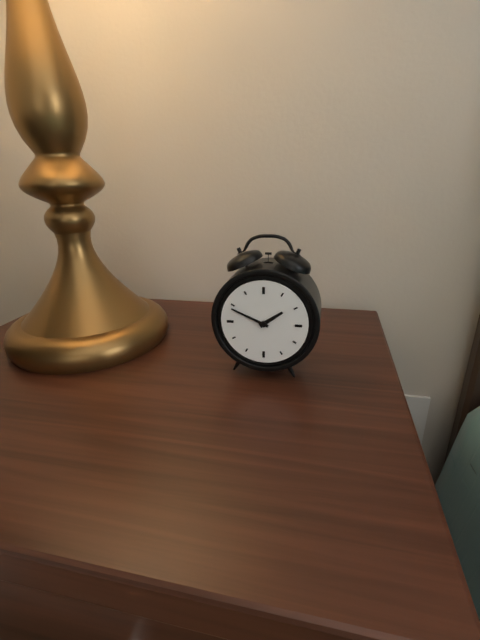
1:49
